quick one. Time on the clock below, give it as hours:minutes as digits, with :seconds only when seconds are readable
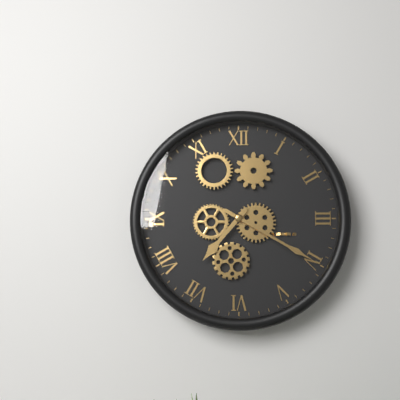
7:20
